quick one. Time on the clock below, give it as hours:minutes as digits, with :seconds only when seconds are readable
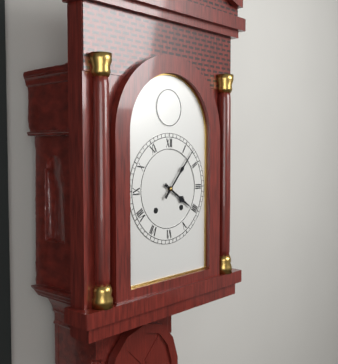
4:07
